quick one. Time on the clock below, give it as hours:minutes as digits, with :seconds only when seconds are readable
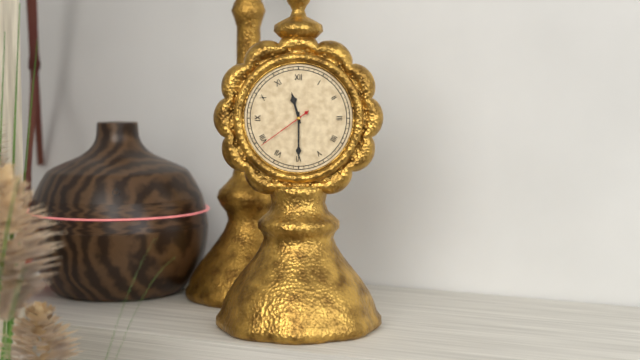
11:30:39
